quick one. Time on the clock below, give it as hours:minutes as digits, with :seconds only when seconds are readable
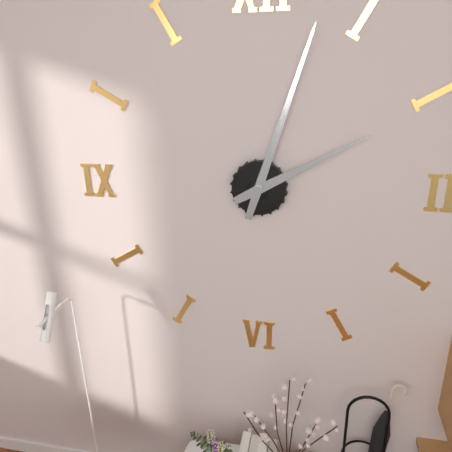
2:03
